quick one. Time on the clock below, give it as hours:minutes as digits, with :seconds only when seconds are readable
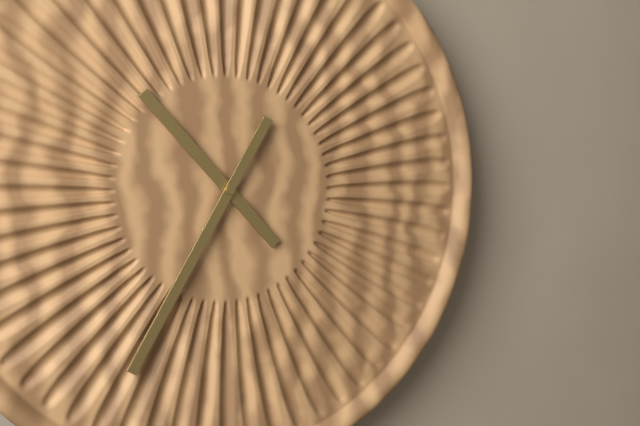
10:35
